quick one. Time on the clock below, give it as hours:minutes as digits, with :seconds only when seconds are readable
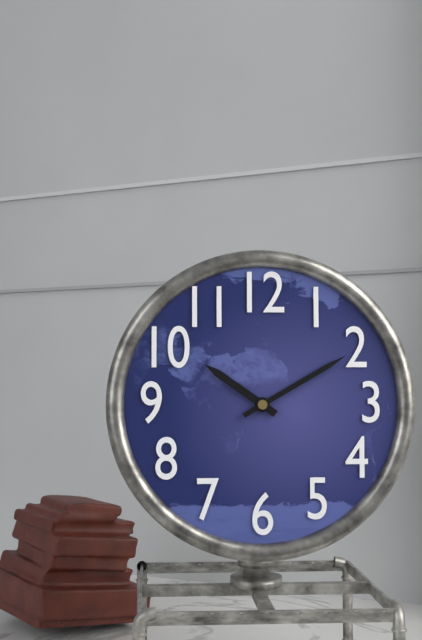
10:10
